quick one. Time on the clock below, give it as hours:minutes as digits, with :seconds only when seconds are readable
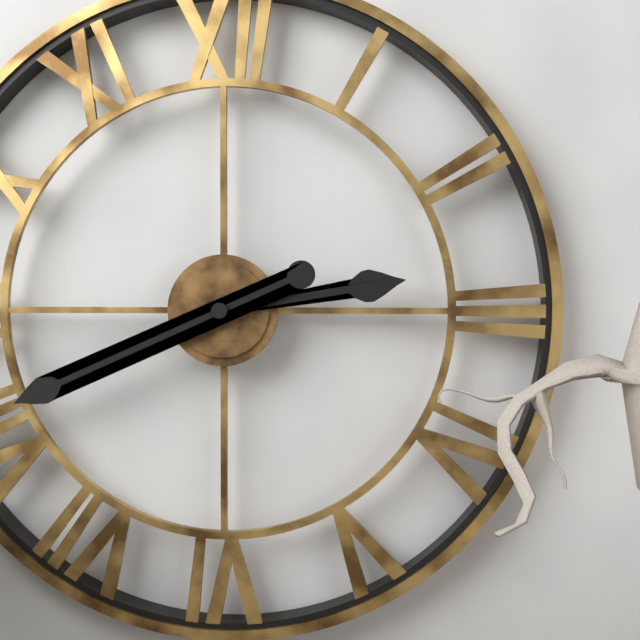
2:41
